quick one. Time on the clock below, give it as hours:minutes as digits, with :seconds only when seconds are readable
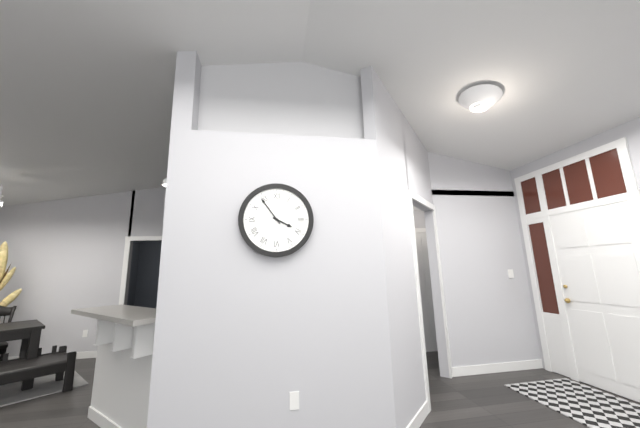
3:54
